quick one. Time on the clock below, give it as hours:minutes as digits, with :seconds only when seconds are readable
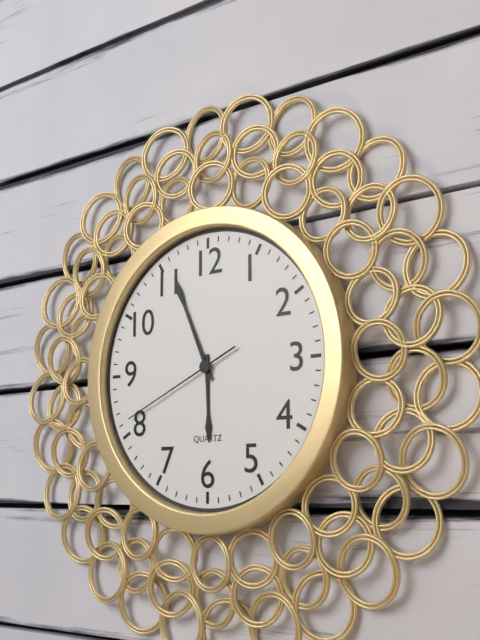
5:56:41
